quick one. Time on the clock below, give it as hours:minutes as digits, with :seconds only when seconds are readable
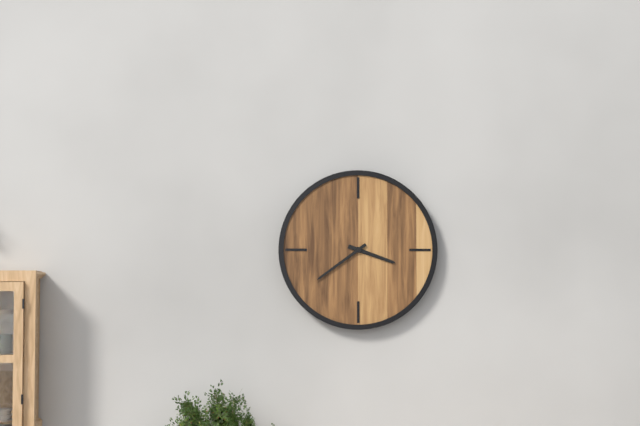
3:39
